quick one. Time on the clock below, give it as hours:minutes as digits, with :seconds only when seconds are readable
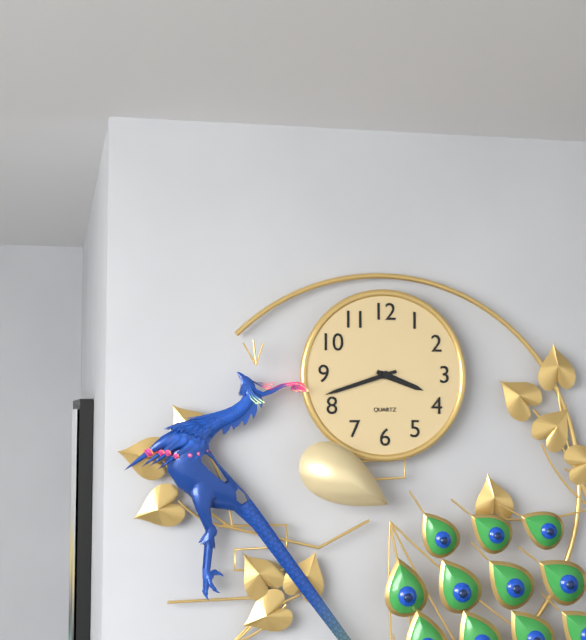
3:42
